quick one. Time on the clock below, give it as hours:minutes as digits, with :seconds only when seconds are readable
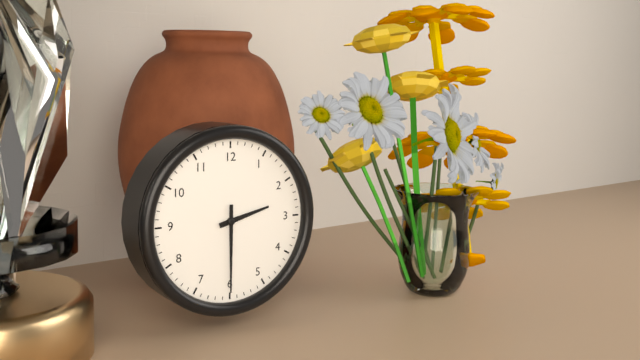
2:30
